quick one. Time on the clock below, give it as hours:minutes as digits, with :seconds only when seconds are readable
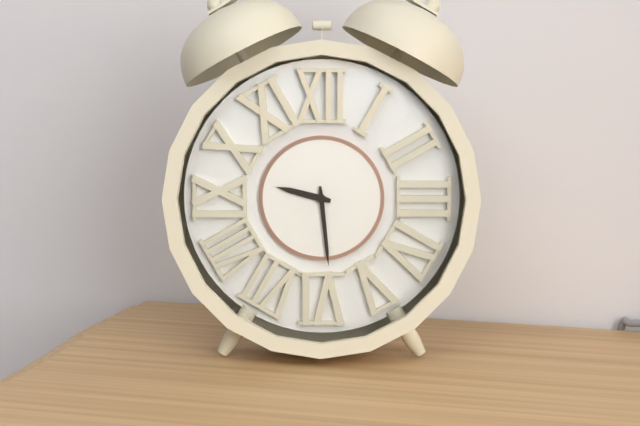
9:29
